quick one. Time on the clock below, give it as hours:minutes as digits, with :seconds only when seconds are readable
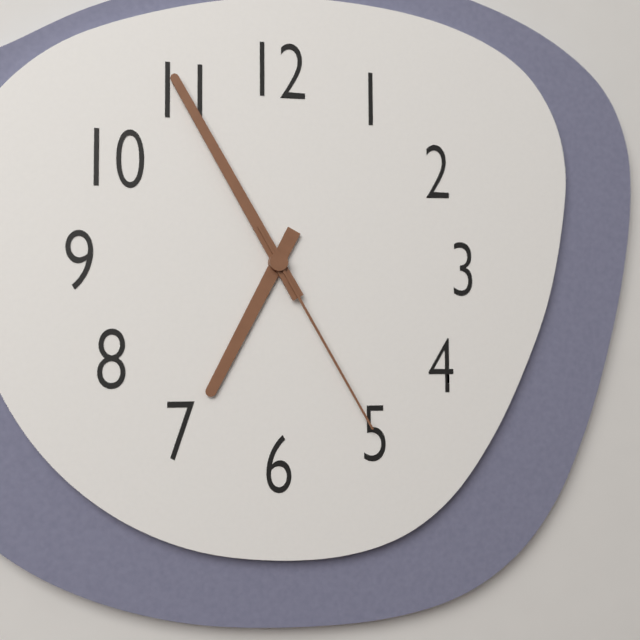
6:55:25
